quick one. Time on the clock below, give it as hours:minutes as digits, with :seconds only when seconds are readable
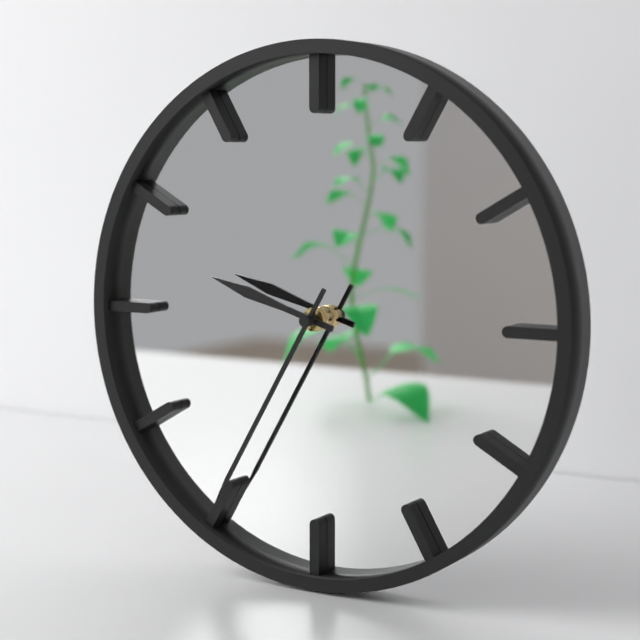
9:35
